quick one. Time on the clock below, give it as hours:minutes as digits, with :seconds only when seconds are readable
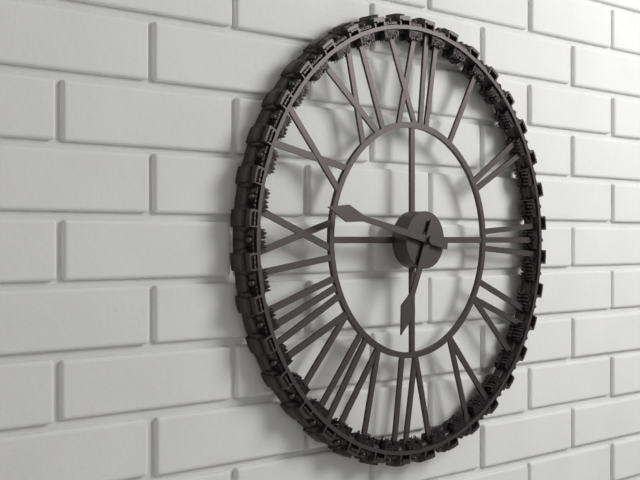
6:47
